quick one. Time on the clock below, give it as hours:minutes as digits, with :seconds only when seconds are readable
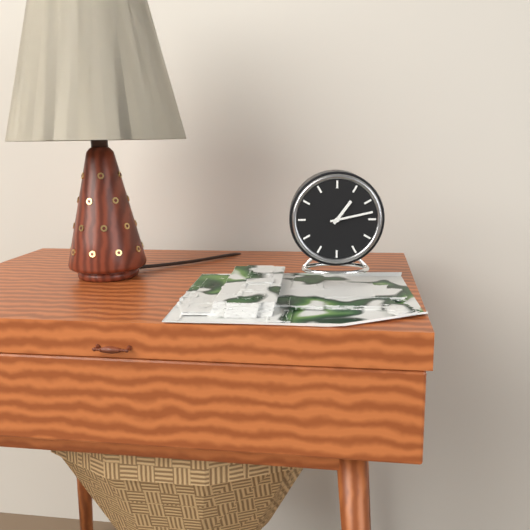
1:13
